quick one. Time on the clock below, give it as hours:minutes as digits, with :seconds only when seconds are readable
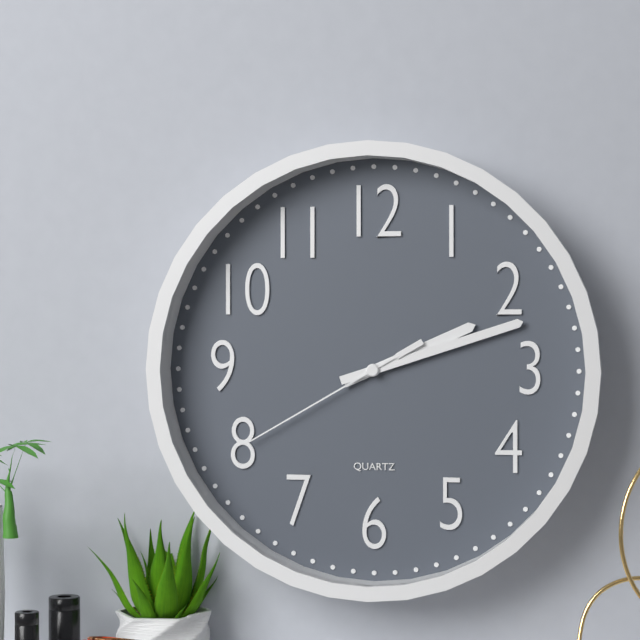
2:12:40
